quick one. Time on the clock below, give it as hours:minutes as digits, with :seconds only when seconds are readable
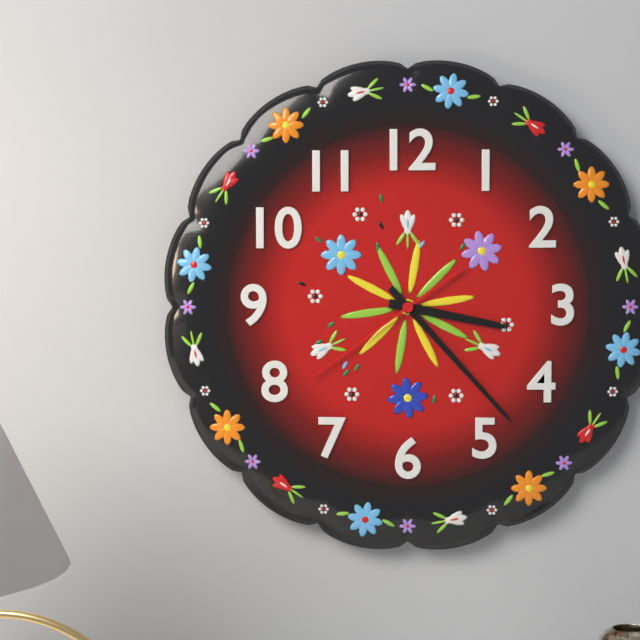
3:23:39
